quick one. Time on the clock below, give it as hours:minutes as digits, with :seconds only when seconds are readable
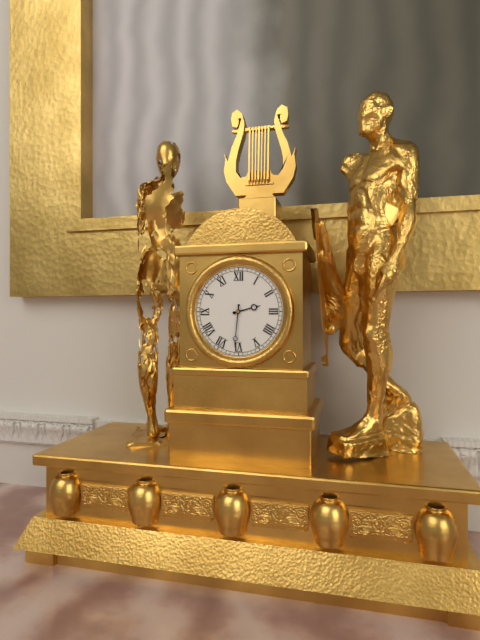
2:31
